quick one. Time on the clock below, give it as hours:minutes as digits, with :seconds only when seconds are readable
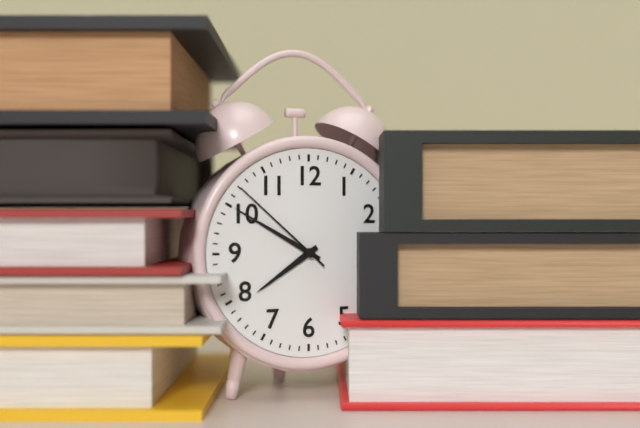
7:50:52
